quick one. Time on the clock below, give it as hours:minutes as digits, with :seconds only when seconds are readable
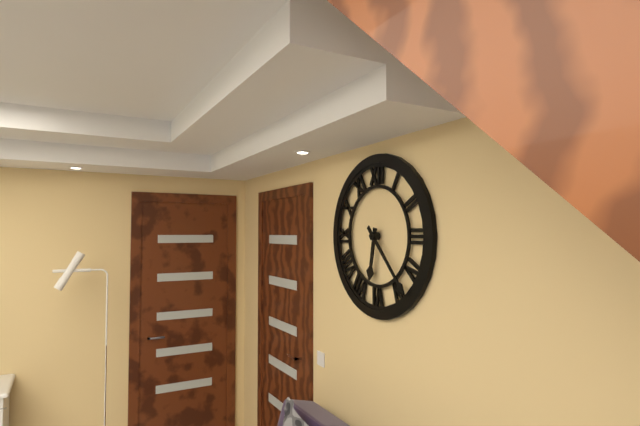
6:23
